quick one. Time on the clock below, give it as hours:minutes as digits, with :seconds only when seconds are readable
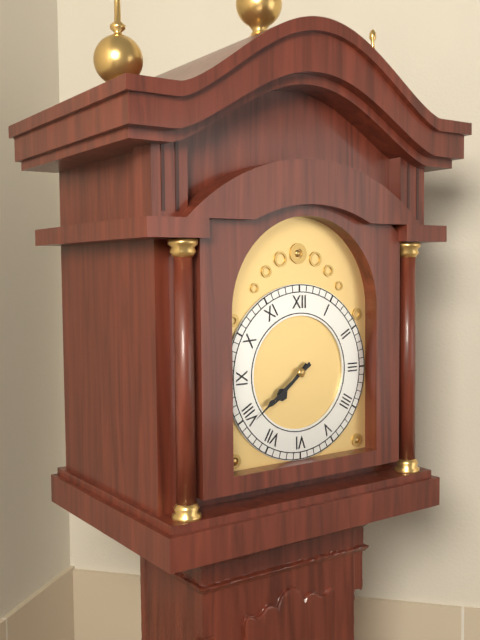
7:39
